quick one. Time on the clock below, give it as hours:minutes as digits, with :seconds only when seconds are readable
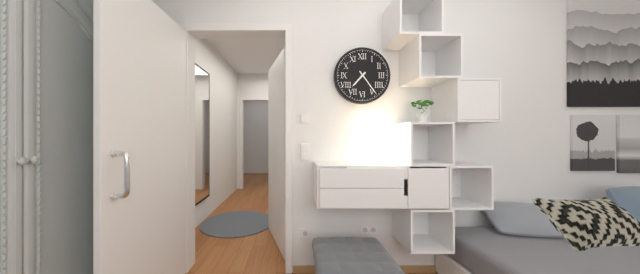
7:24
